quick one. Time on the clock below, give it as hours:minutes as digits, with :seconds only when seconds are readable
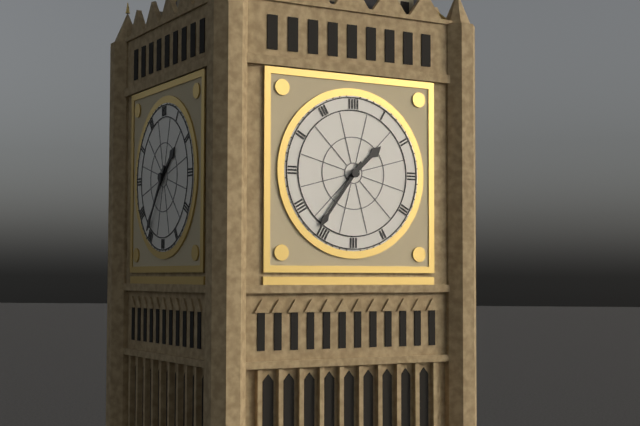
1:36
